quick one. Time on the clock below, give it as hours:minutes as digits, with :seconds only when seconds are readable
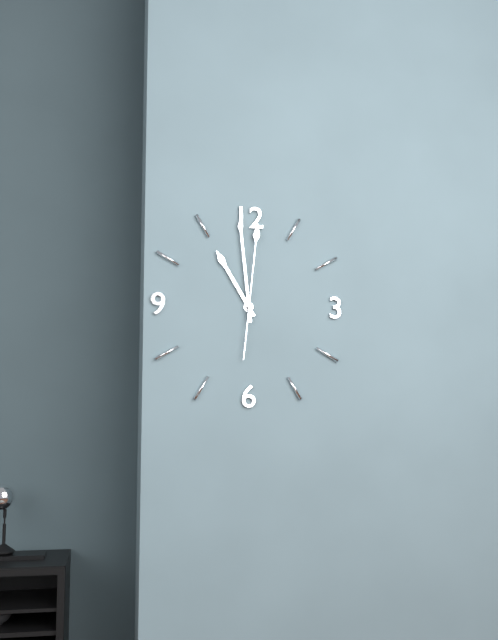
10:59:01
